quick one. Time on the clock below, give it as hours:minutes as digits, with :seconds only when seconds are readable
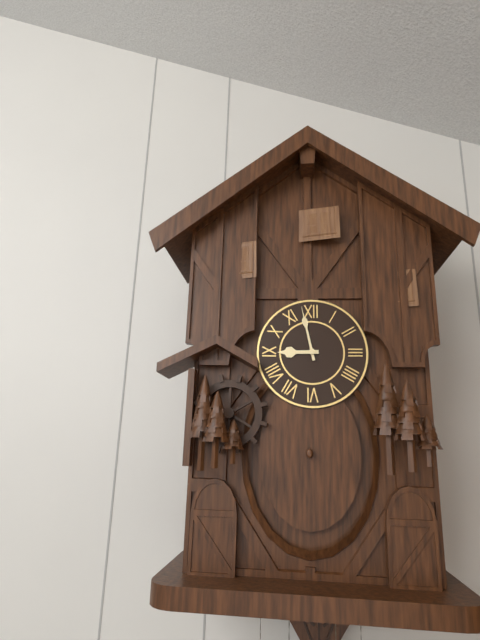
8:58
